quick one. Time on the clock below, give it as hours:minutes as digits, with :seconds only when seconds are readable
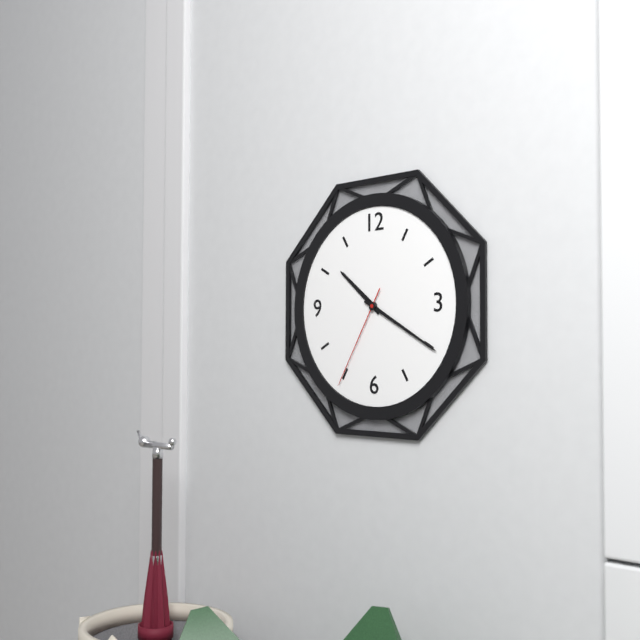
10:20:35
